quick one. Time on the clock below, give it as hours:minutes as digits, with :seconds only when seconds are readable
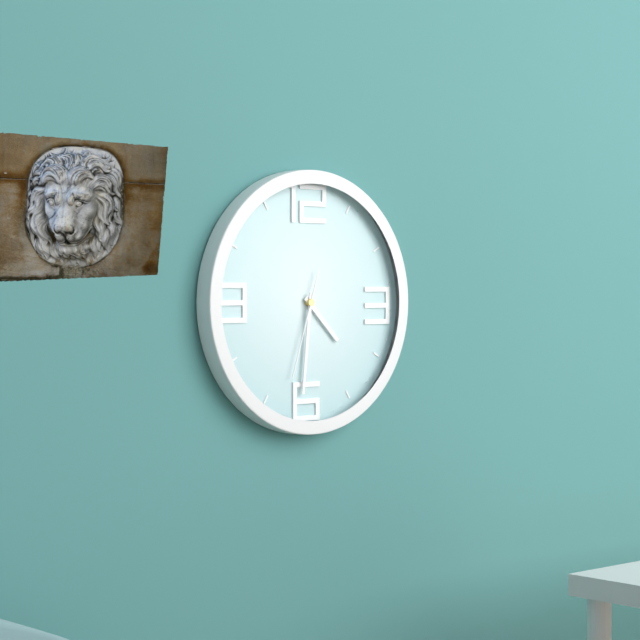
4:31:33
